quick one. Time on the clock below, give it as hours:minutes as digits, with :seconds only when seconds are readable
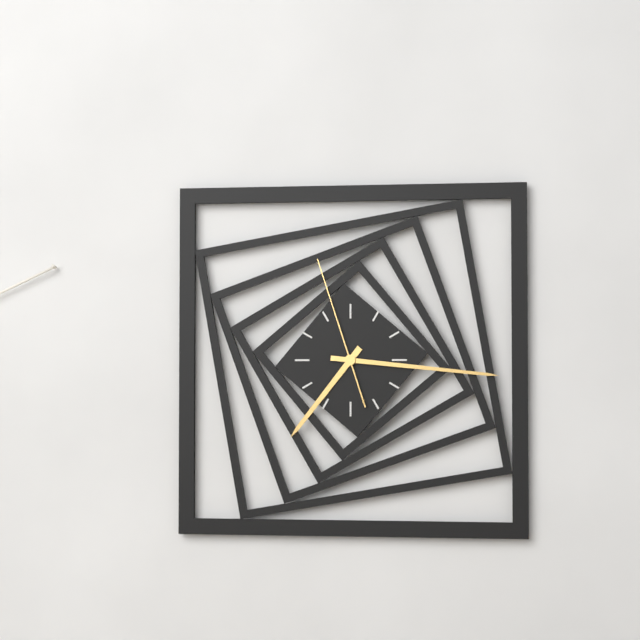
7:16:57
